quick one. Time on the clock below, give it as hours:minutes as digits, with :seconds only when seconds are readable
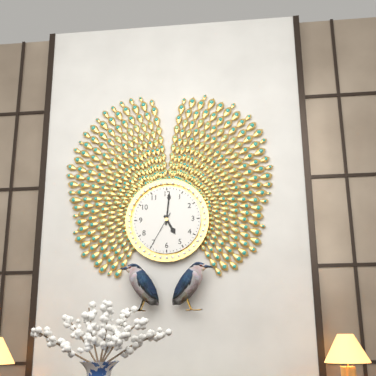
5:01
